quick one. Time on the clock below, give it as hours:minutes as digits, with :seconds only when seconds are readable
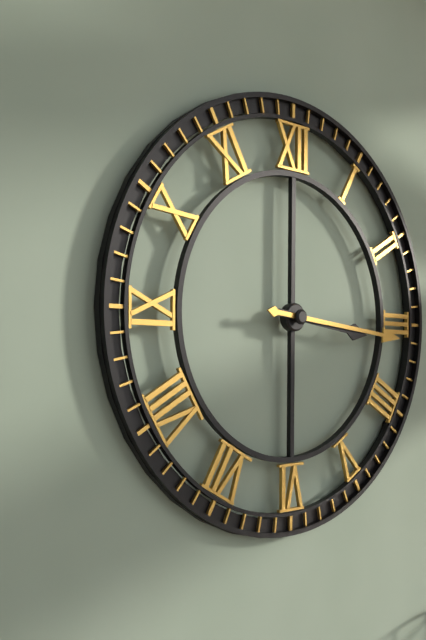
3:16
